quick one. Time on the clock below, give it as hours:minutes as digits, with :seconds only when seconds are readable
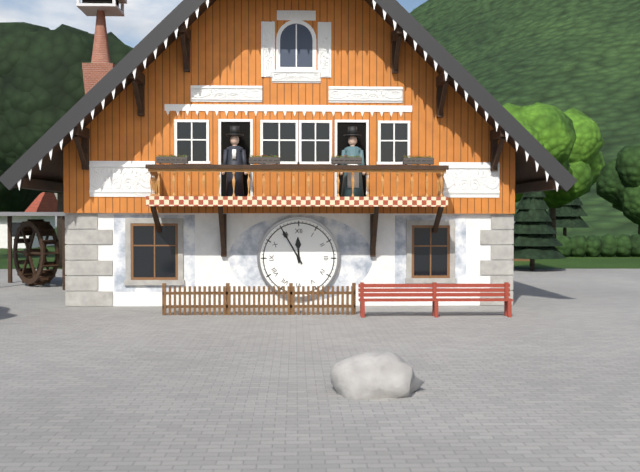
11:55
